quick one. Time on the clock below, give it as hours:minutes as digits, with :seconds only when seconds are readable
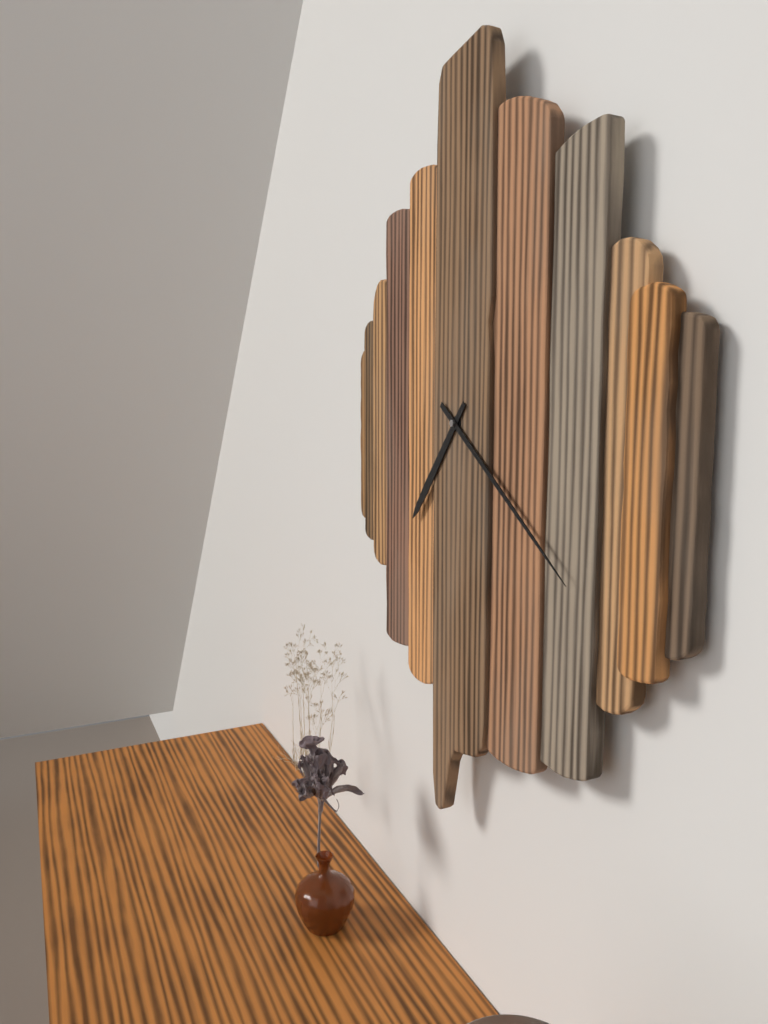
7:21
